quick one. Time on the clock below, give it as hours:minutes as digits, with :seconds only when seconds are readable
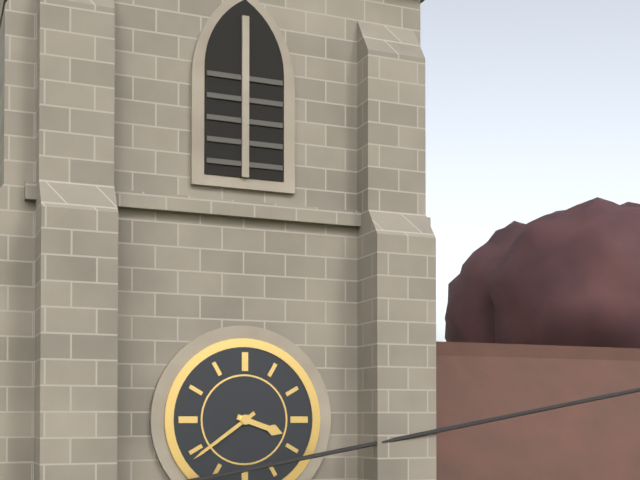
3:39
